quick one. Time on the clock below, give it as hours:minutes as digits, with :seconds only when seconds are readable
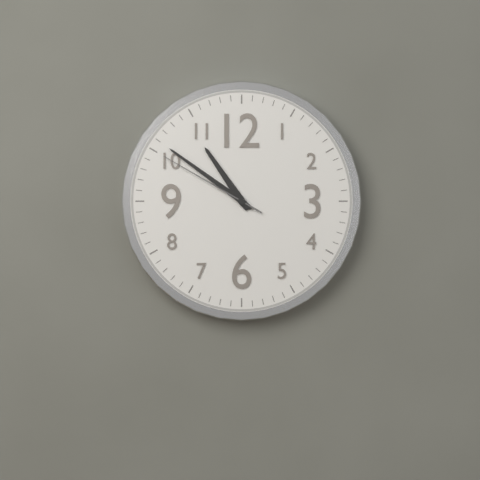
10:51:50
